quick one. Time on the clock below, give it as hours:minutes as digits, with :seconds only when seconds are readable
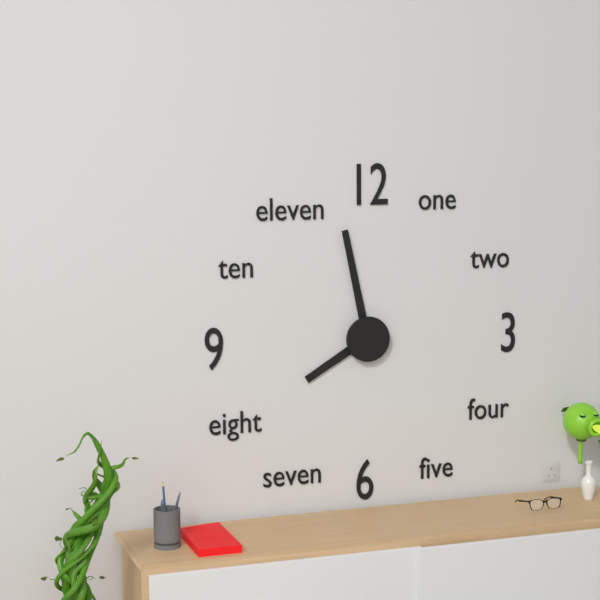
7:58
